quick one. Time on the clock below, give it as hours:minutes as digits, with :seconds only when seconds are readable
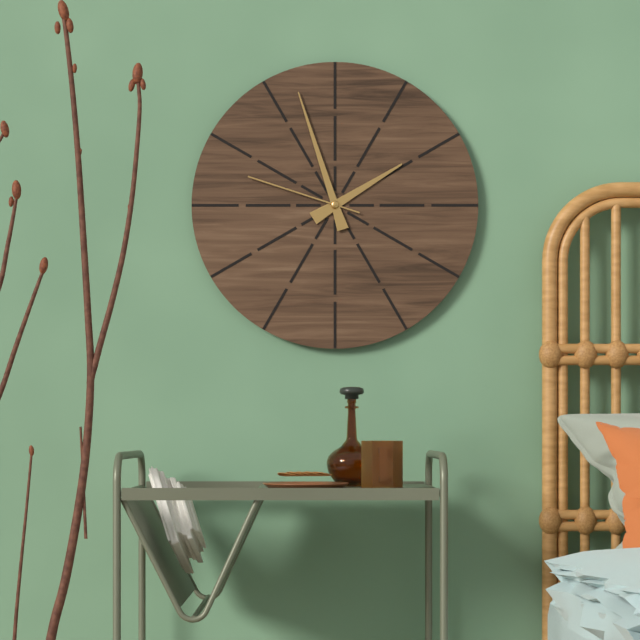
1:57:48
